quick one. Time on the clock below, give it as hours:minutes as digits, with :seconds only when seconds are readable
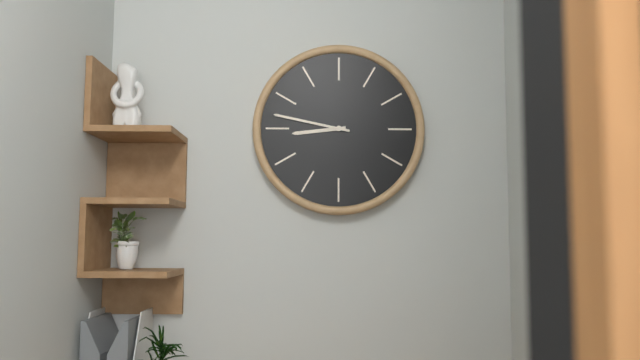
8:47
